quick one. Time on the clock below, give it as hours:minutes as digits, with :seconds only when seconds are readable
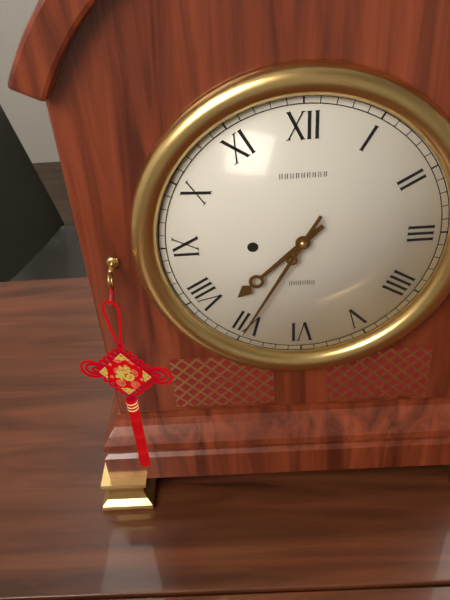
7:35
